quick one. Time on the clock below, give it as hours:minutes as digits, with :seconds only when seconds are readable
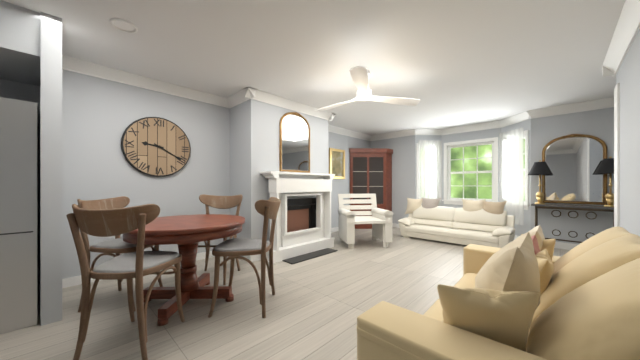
9:20
